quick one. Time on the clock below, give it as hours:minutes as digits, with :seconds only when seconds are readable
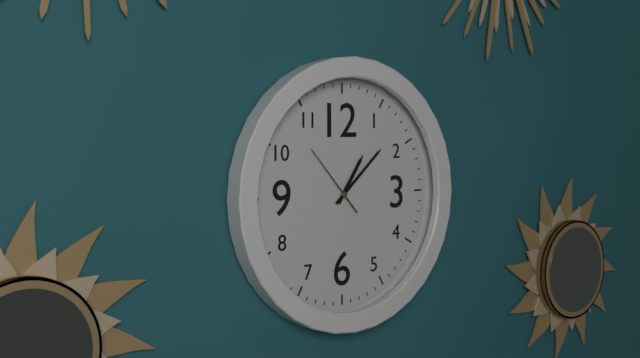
1:08:53
